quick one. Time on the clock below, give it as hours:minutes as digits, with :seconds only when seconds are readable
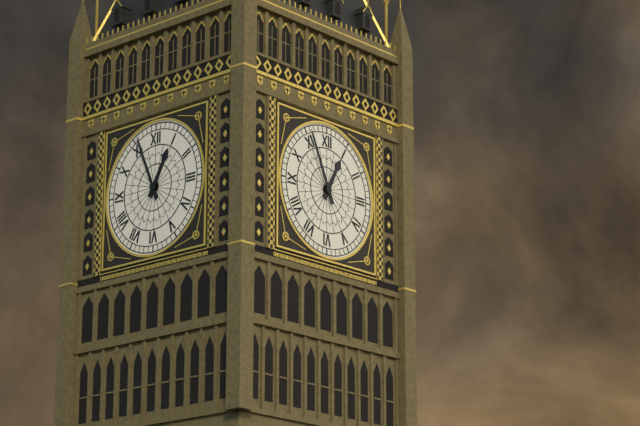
12:56
